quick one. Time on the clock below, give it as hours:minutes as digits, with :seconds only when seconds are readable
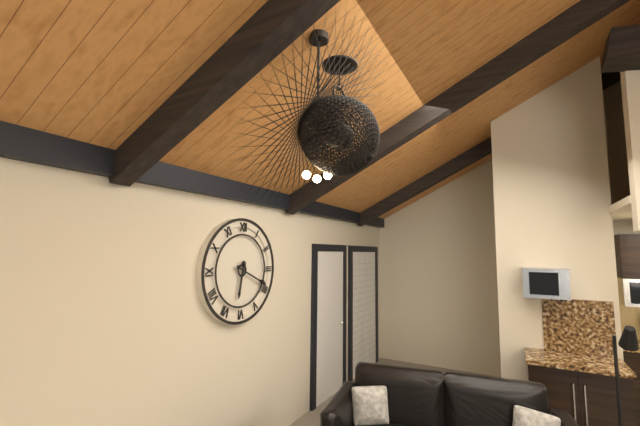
6:19
